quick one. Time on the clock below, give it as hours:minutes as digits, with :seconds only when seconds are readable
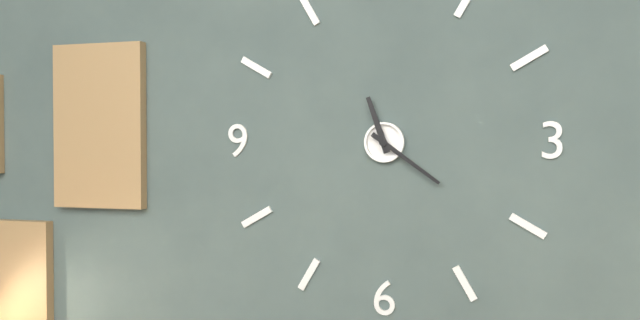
11:21
